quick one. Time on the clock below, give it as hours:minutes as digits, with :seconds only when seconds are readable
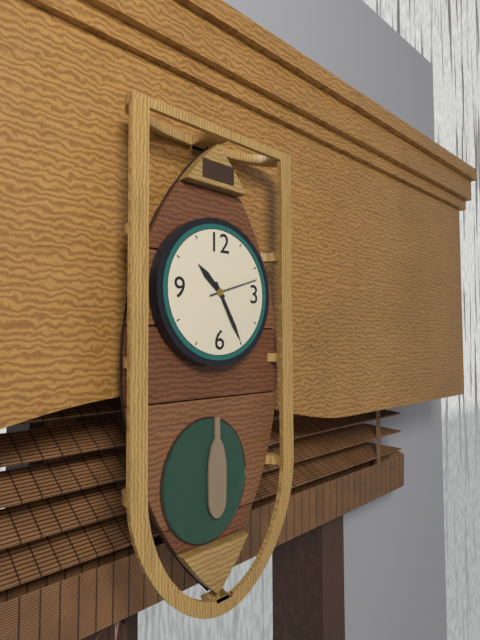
10:25
